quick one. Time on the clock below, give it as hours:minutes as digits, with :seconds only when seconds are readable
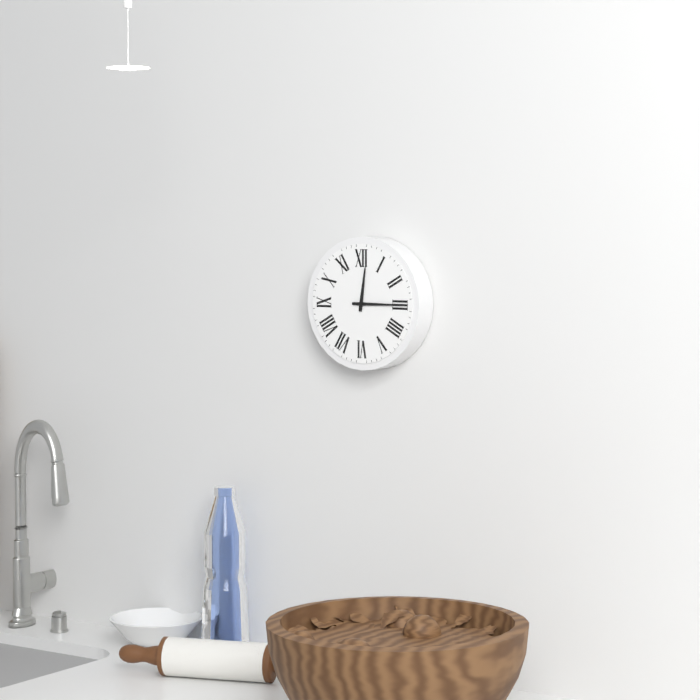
12:15
